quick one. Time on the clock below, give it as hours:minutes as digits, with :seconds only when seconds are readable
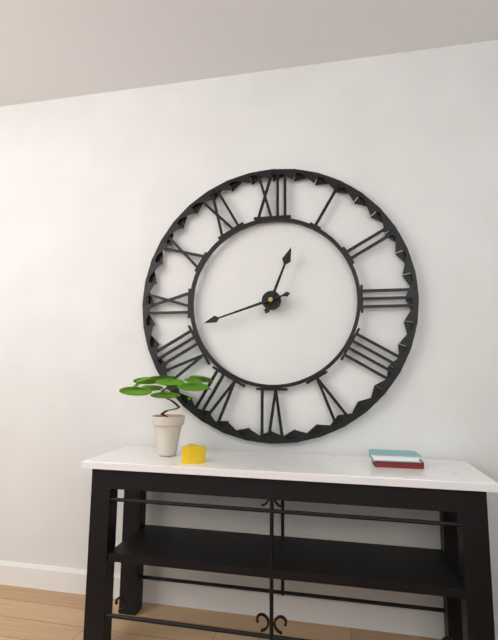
12:42
